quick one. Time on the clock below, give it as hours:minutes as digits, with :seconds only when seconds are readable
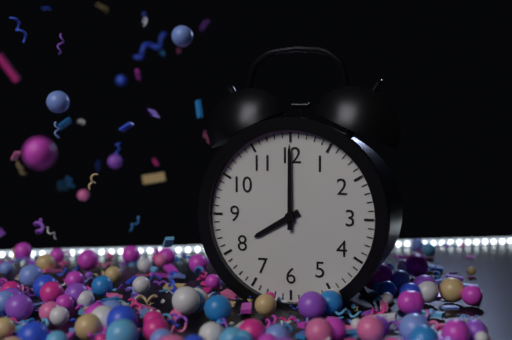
8:00
